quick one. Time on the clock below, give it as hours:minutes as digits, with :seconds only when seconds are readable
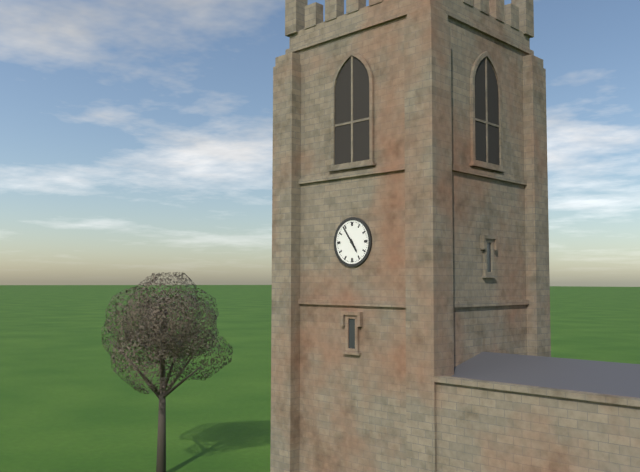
4:54
